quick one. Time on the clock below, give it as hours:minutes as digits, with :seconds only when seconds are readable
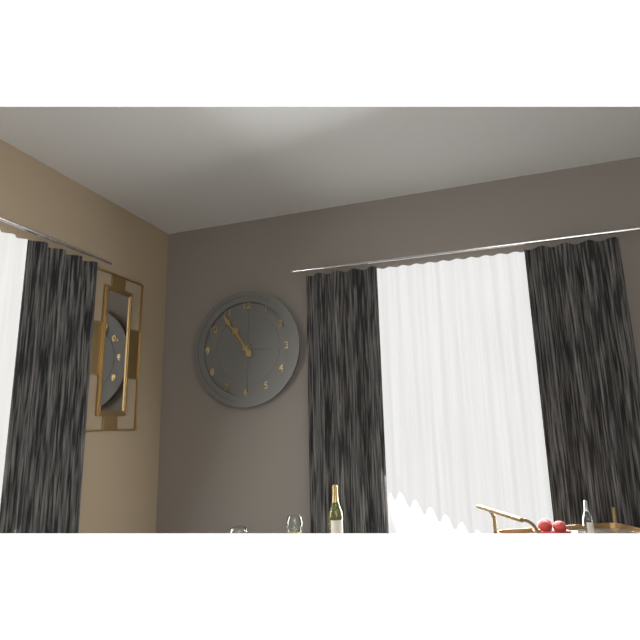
10:54
